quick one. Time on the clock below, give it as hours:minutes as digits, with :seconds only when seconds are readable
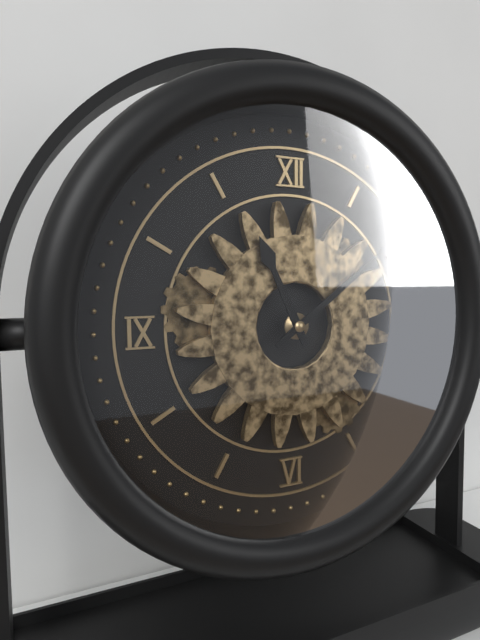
11:09
